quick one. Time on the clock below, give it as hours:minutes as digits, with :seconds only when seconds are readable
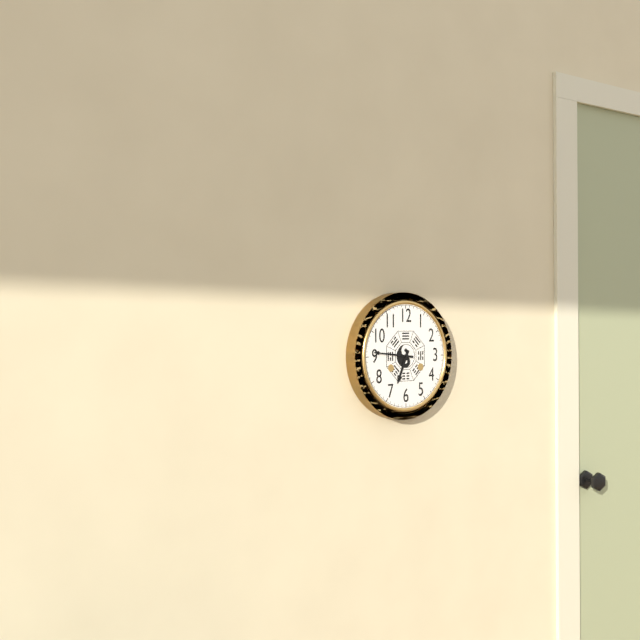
6:46
